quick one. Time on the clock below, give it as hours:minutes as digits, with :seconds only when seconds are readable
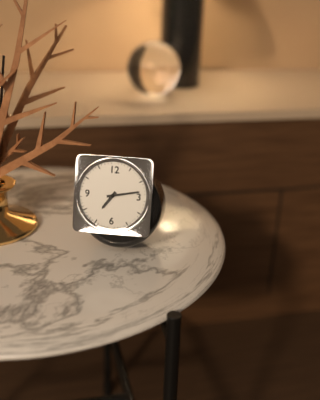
7:13
